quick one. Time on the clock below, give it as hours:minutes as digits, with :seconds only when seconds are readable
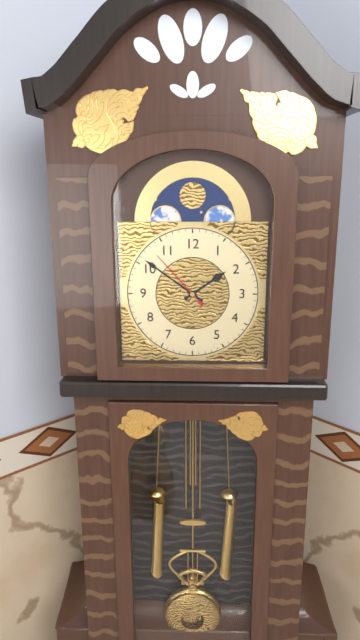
1:51:53
